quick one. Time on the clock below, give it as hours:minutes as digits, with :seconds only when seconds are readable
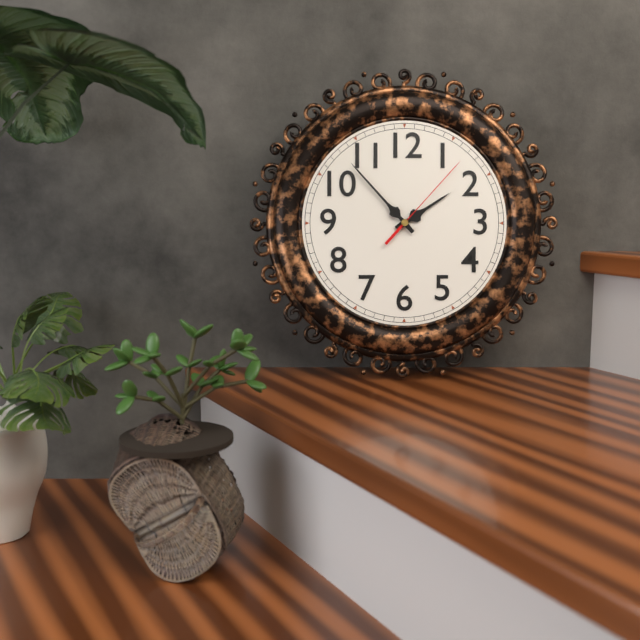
1:53:07
